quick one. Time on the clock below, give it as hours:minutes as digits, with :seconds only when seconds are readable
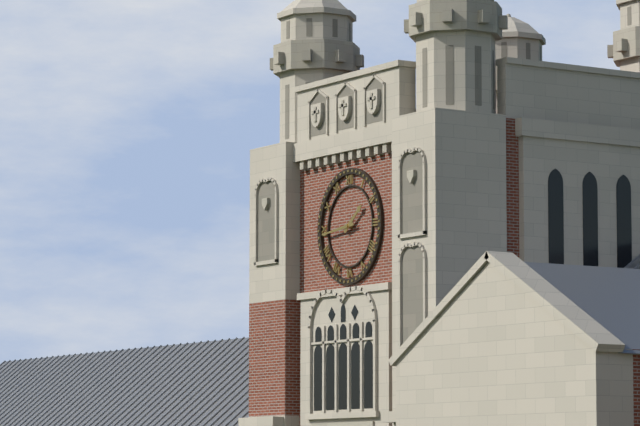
1:44
